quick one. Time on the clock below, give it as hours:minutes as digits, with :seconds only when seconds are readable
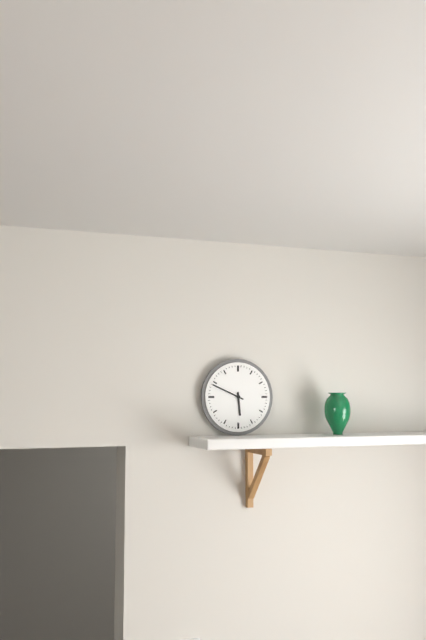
5:49
